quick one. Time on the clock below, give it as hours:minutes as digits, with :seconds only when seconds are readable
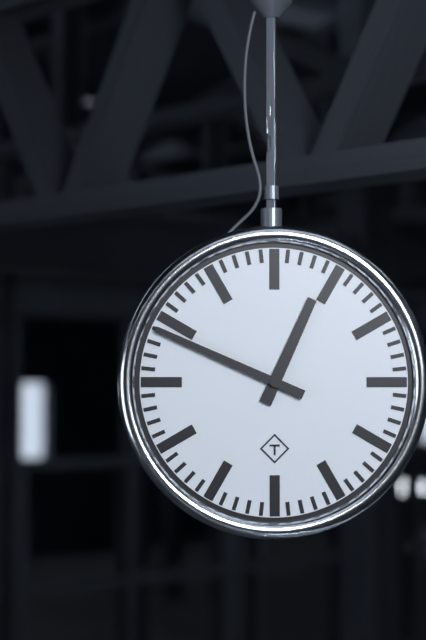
12:49
